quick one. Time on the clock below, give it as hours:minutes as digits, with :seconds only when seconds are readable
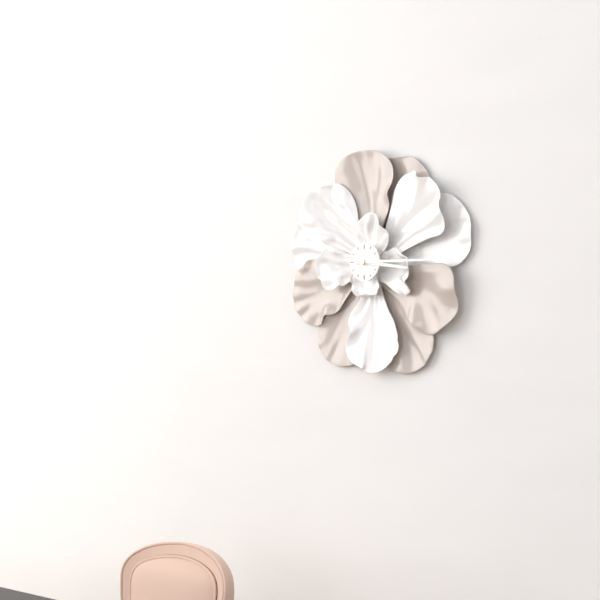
3:15
